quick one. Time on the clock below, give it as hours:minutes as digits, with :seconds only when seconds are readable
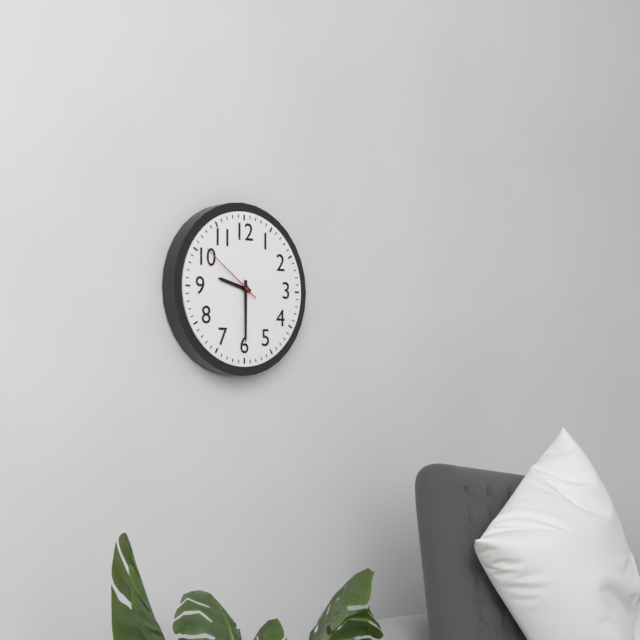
9:30:51
